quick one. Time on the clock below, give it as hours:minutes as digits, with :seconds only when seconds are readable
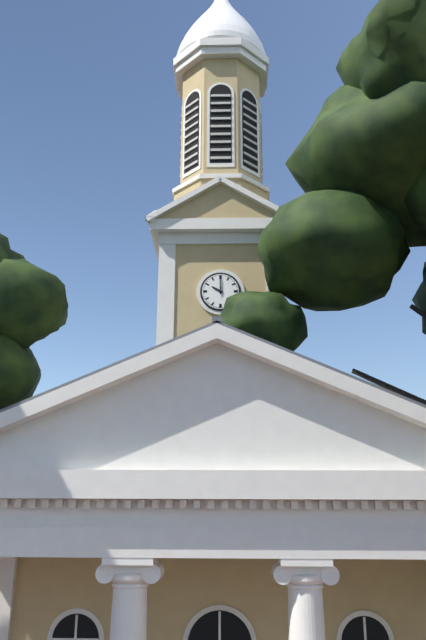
10:00
